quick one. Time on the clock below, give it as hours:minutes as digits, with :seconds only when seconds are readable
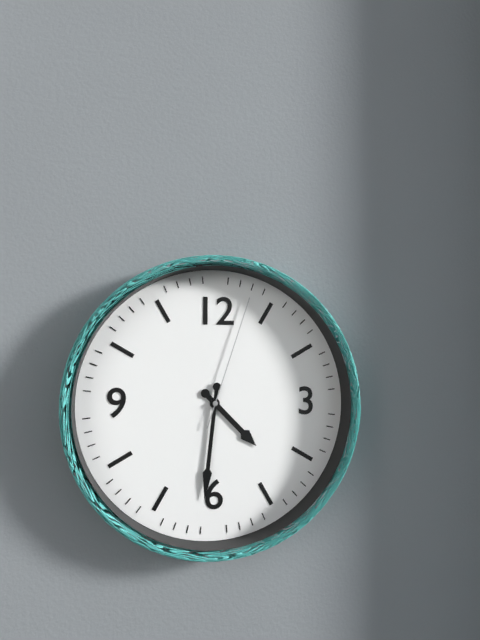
4:31:03
